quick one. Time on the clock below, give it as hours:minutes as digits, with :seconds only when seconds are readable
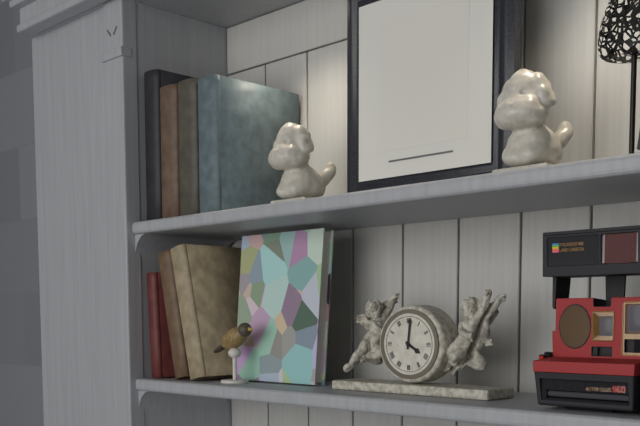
4:01
